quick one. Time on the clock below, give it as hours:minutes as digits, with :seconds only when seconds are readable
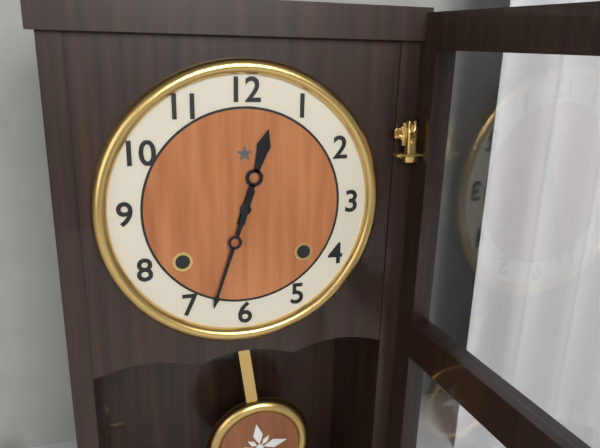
12:33
